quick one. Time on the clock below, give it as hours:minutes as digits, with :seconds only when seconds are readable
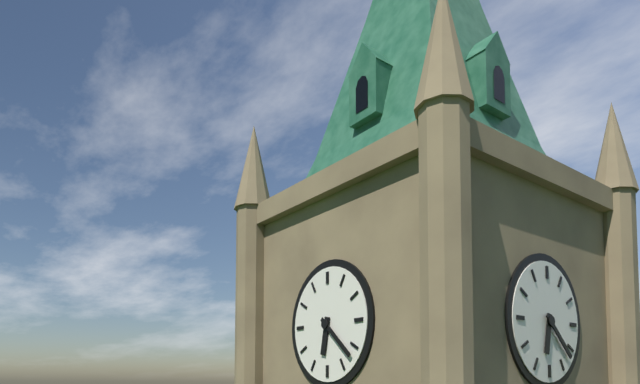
6:22
